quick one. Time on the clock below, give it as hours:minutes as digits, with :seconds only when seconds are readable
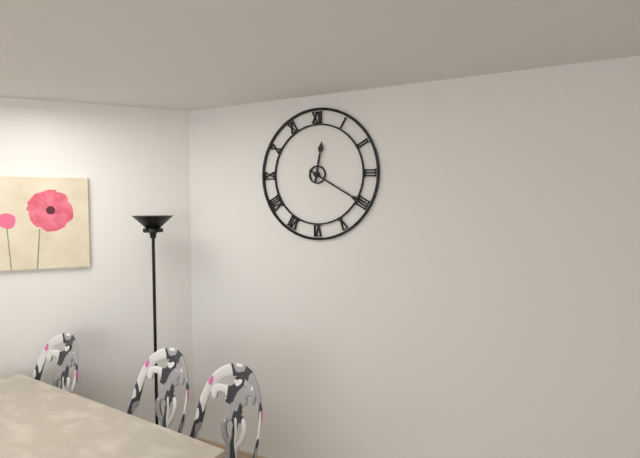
12:20
